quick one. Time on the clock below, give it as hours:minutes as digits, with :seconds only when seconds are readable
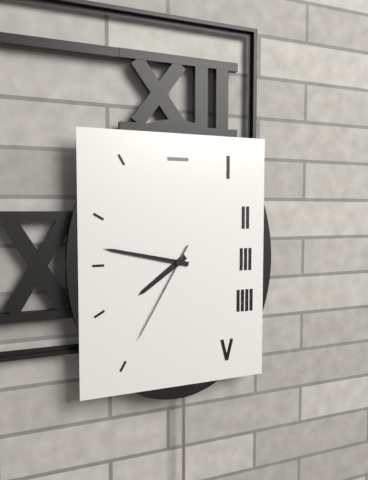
7:47:35
